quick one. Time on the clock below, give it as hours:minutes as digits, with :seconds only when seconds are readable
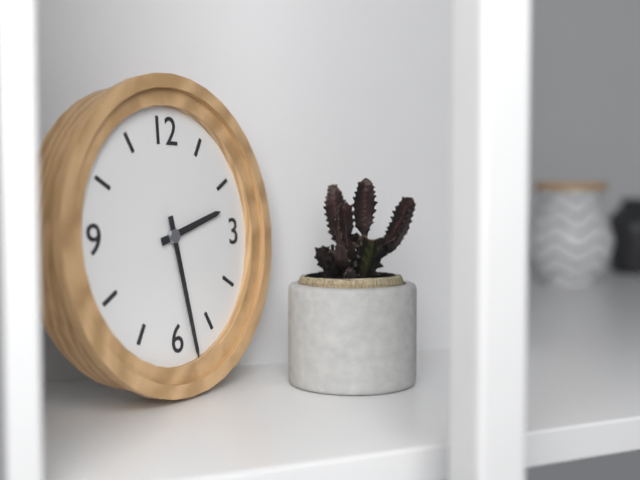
2:28
